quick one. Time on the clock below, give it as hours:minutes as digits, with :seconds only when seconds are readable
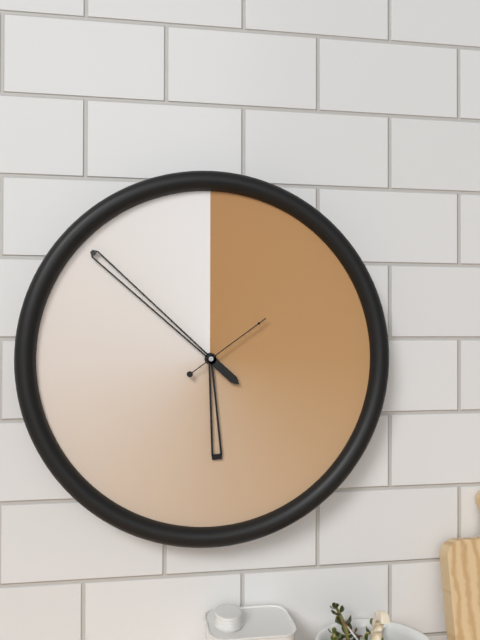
5:52:09
